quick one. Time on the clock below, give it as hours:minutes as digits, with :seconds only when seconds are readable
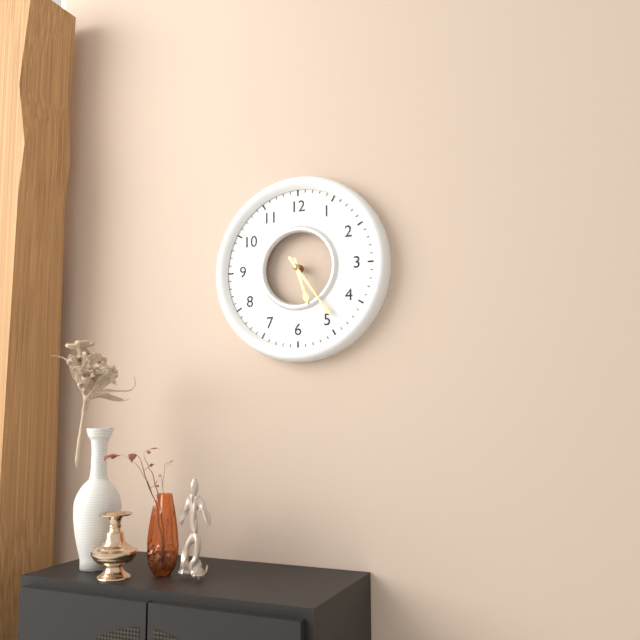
5:24
